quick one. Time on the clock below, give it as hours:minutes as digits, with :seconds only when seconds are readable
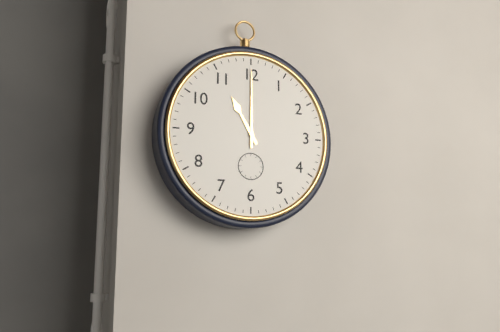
11:00
